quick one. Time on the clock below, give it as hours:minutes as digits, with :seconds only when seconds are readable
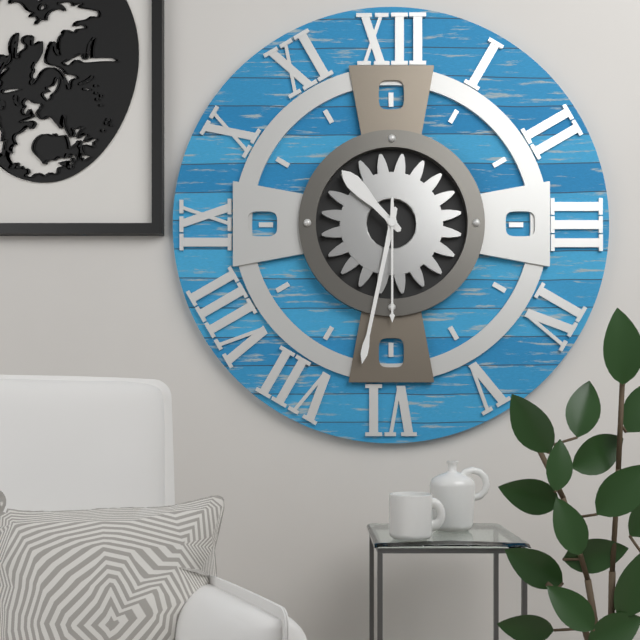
10:32:30
